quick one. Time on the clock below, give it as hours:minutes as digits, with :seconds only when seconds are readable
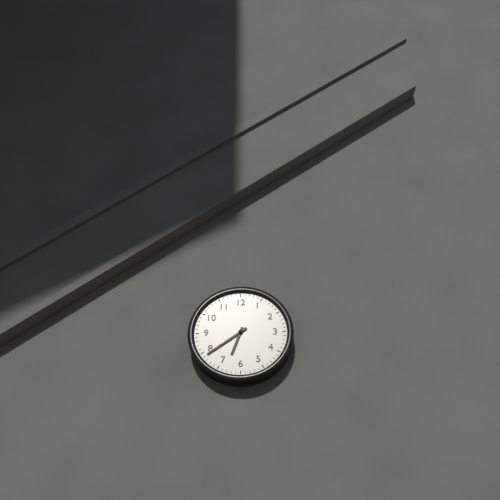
6:39
